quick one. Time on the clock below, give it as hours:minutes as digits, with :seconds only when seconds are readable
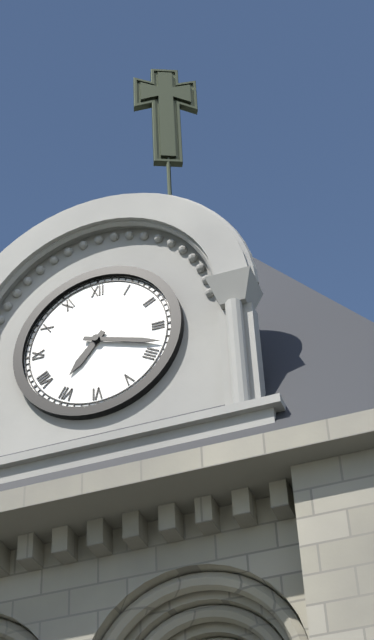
7:18
